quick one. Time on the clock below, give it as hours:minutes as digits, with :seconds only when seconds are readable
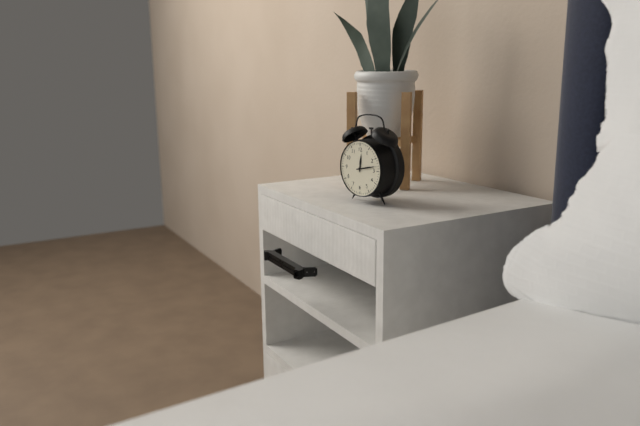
12:13
